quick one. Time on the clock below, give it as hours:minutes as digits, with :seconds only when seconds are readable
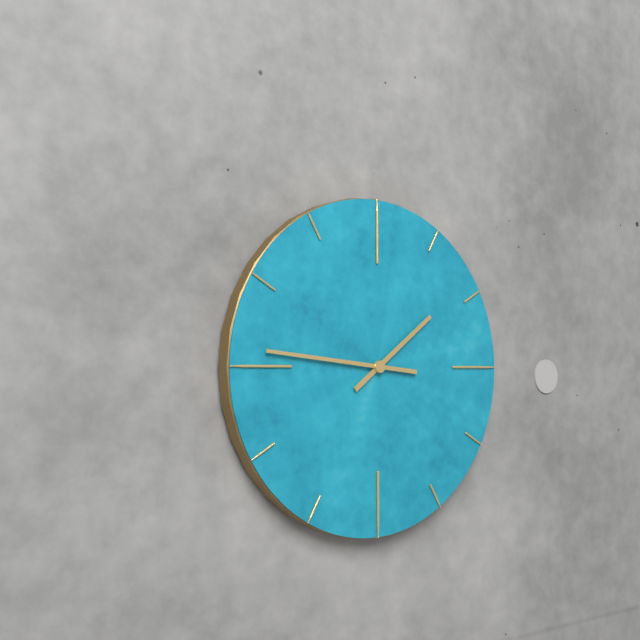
1:46
